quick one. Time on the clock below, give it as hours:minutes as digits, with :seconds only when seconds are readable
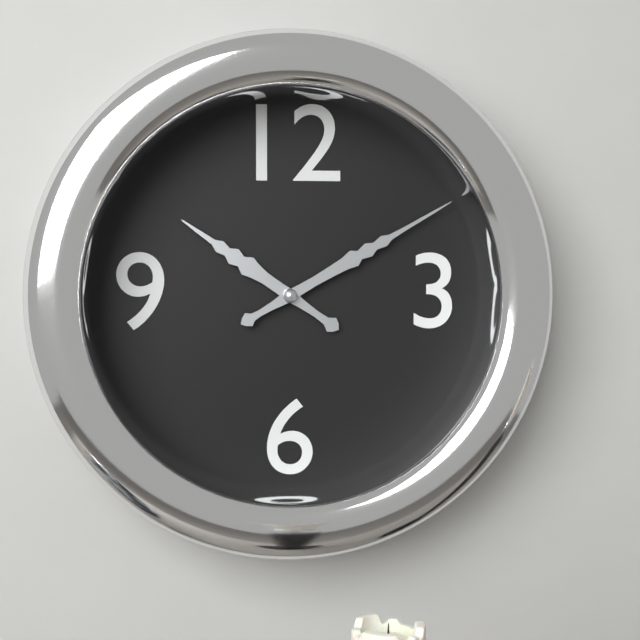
10:10
